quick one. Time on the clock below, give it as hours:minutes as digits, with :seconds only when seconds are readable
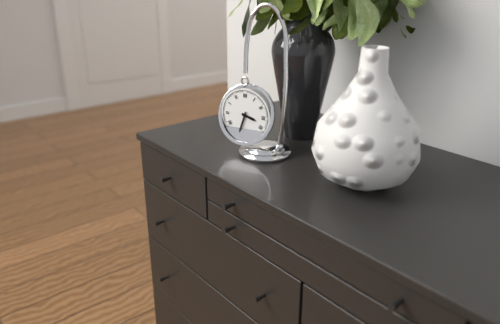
3:33
